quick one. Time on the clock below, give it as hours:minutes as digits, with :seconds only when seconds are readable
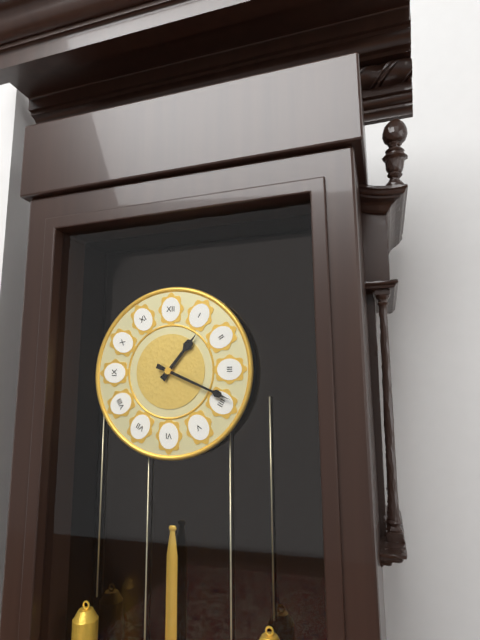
1:19
